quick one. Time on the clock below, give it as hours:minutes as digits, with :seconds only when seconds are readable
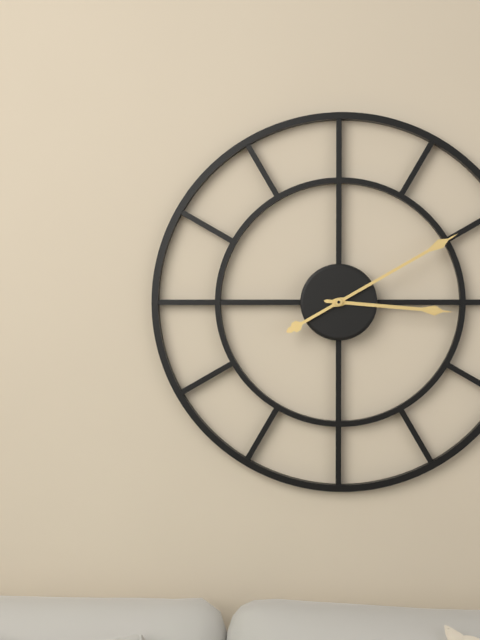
3:10
